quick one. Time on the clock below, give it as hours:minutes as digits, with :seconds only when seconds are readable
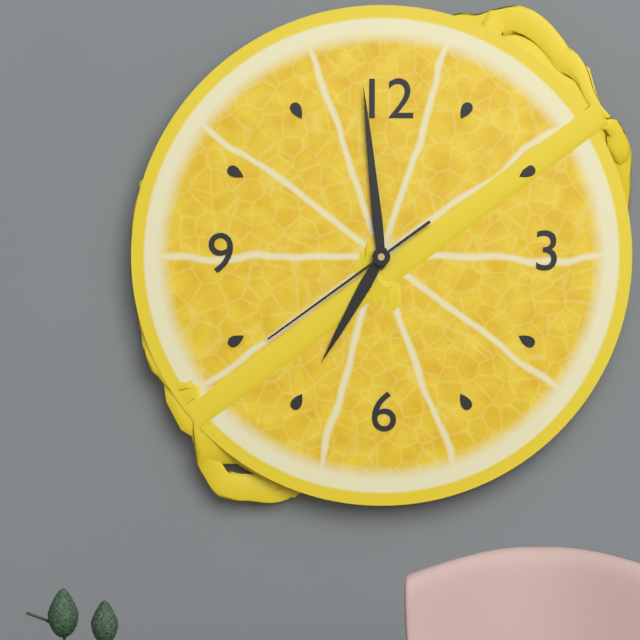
6:59:39
